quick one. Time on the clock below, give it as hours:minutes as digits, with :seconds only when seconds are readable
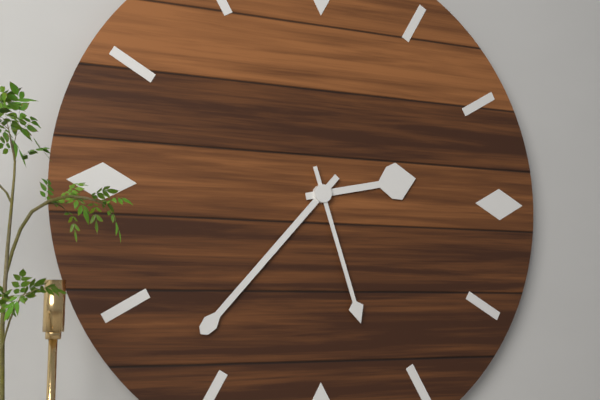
2:37:27
